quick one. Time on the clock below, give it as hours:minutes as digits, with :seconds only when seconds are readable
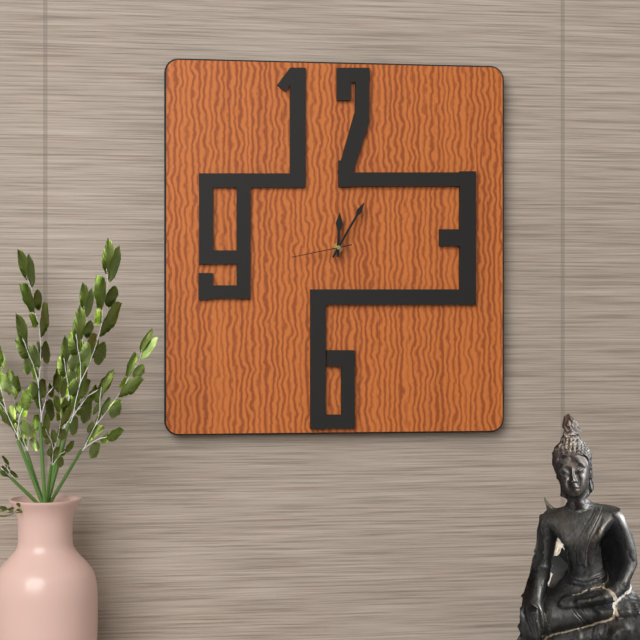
12:05:43
